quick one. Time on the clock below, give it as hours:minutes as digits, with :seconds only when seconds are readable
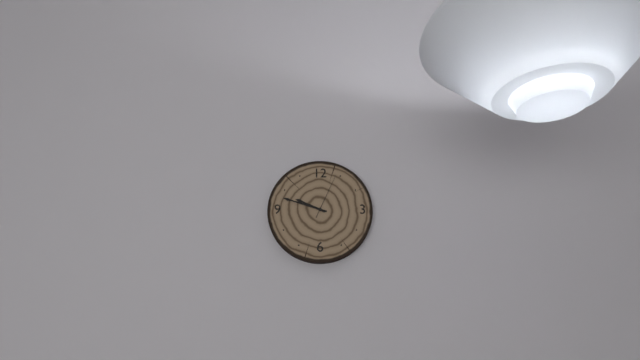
9:48
